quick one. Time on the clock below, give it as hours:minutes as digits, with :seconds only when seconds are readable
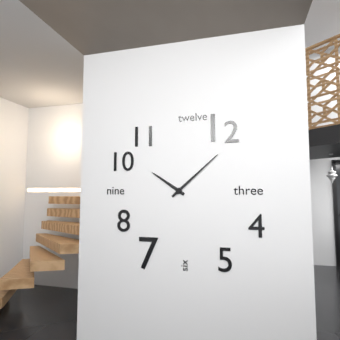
10:08
